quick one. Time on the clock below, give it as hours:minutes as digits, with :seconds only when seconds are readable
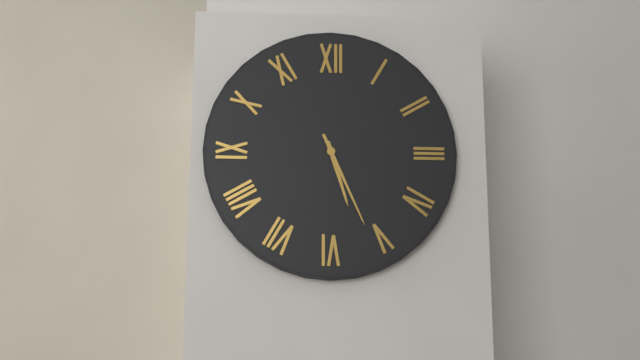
5:26
